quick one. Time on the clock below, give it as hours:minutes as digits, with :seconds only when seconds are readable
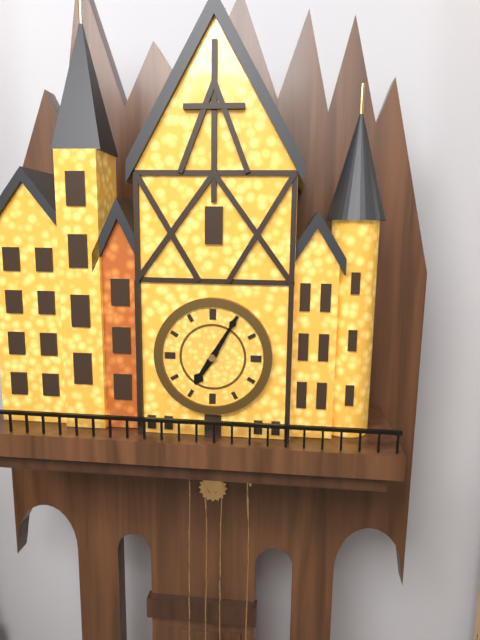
7:05
